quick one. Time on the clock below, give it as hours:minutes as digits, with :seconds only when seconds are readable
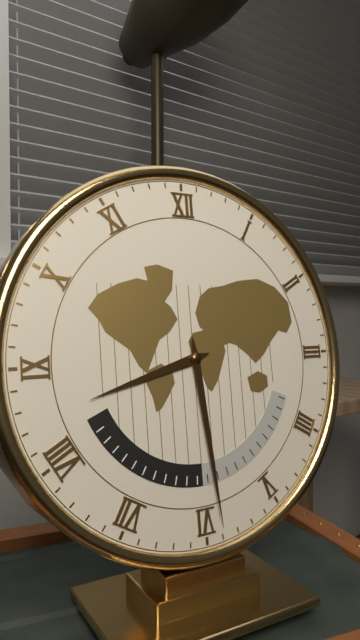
8:29
